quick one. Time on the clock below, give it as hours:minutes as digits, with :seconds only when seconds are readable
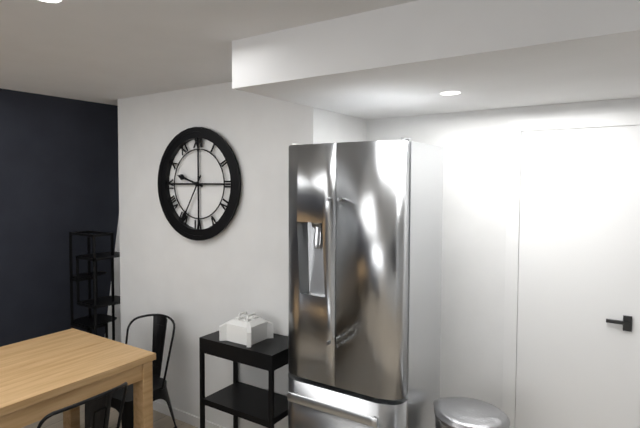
9:35
